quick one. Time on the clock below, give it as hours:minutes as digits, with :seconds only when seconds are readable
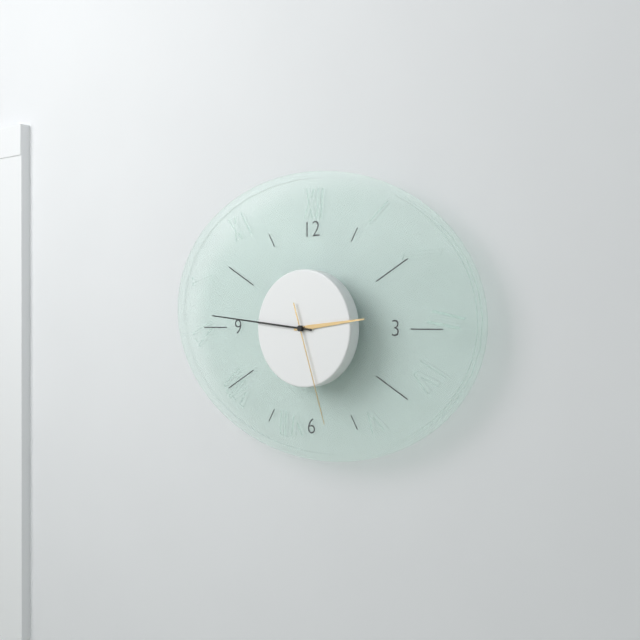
2:46:27
